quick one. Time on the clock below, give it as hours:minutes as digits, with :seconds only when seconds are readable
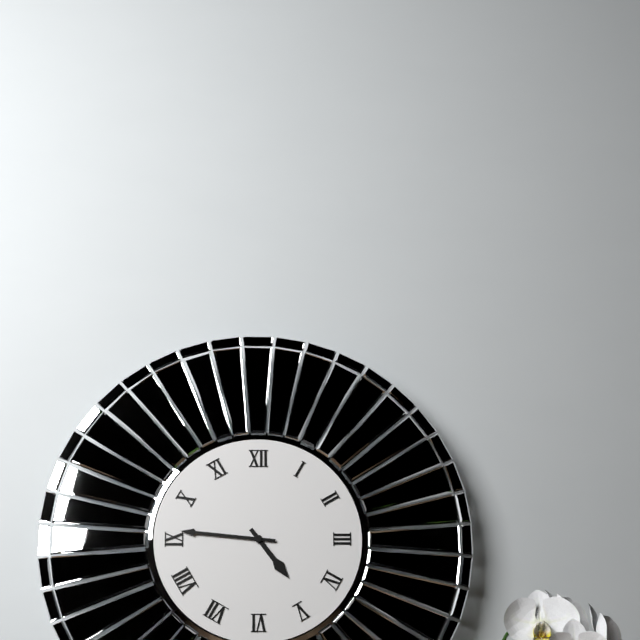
4:46
